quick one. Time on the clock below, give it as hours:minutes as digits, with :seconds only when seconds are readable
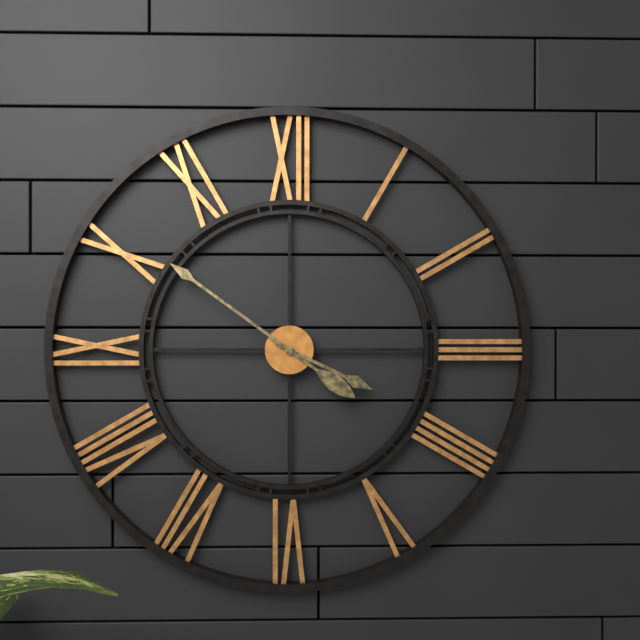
3:51
